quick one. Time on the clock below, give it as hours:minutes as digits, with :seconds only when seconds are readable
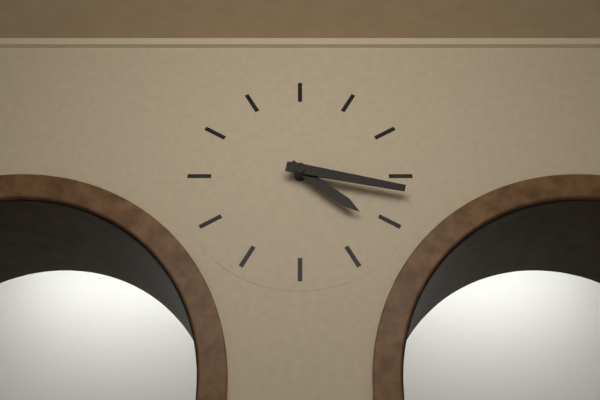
4:17
